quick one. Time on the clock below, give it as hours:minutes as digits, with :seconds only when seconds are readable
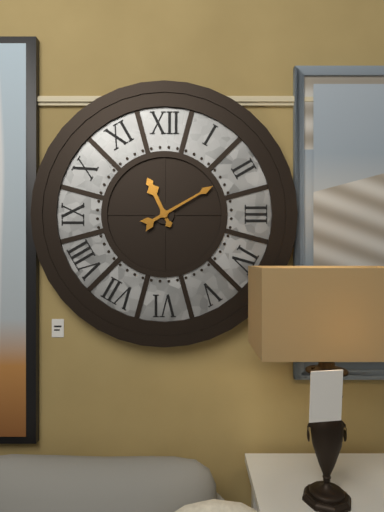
11:10
